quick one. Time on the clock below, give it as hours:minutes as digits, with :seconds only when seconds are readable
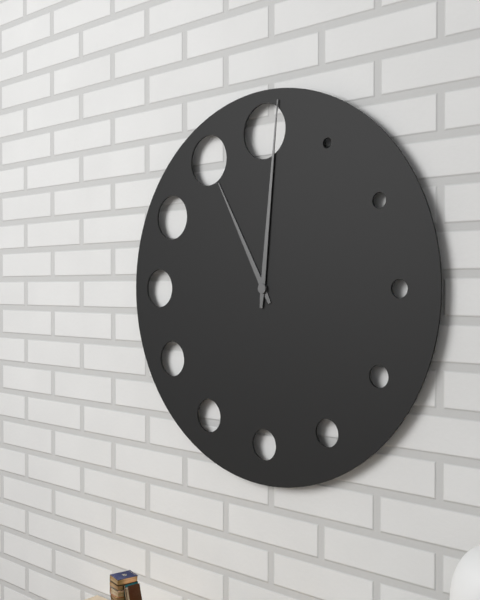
11:01
